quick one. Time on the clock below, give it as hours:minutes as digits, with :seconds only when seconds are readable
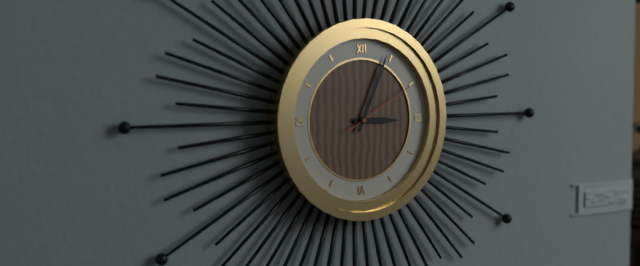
3:04:10
